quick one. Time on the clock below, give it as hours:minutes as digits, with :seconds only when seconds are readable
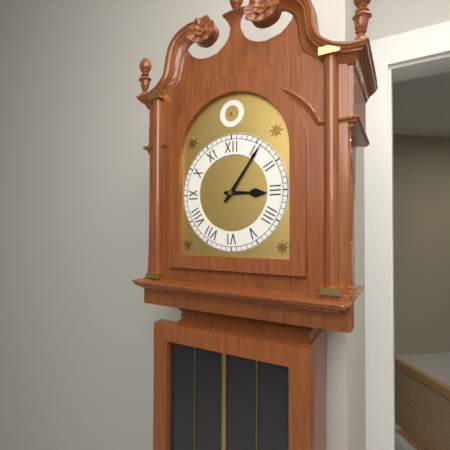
3:06
